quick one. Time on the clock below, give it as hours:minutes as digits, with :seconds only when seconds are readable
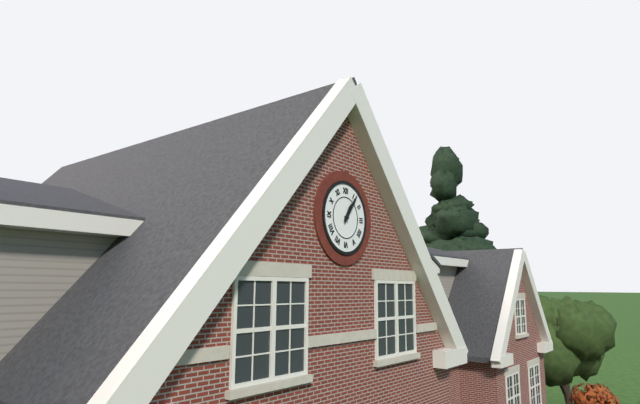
1:06
